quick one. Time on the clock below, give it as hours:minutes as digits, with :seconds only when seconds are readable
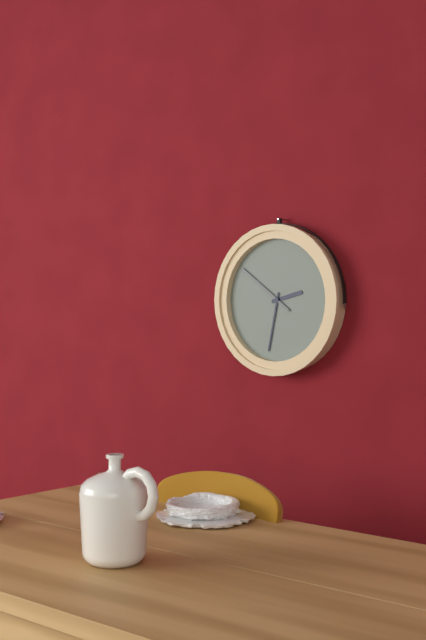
2:32:51
